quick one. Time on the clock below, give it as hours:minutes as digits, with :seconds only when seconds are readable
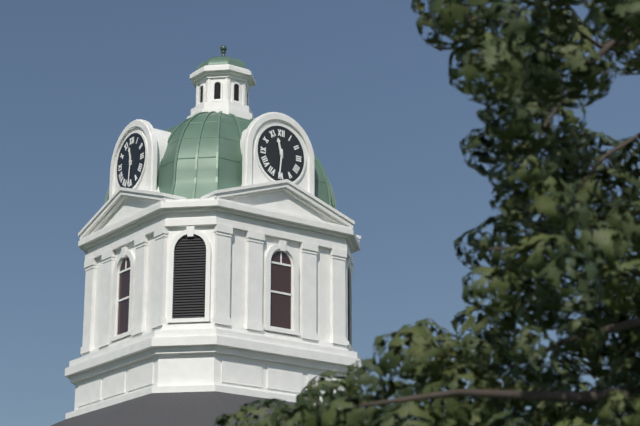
11:31
